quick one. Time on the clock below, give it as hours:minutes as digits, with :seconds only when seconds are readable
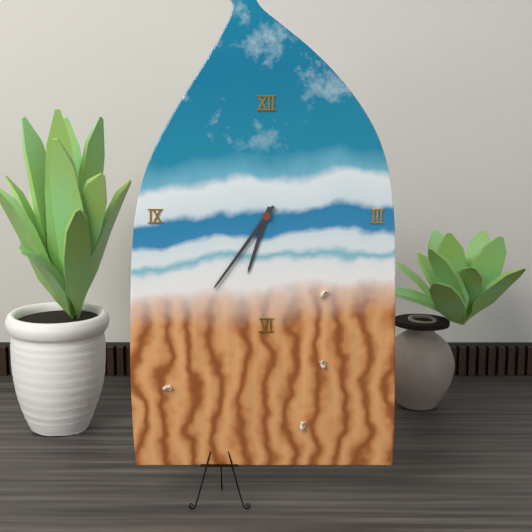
6:36
